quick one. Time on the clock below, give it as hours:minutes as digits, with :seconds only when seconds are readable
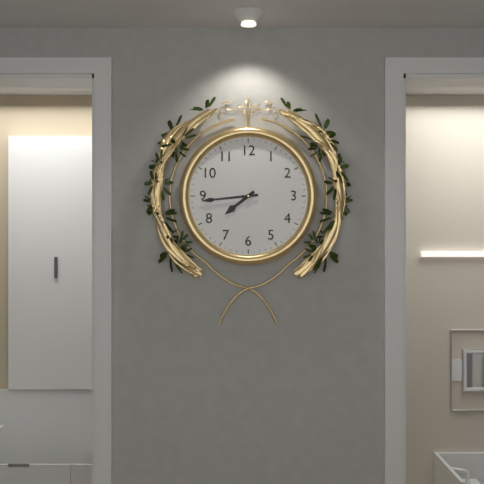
7:44
